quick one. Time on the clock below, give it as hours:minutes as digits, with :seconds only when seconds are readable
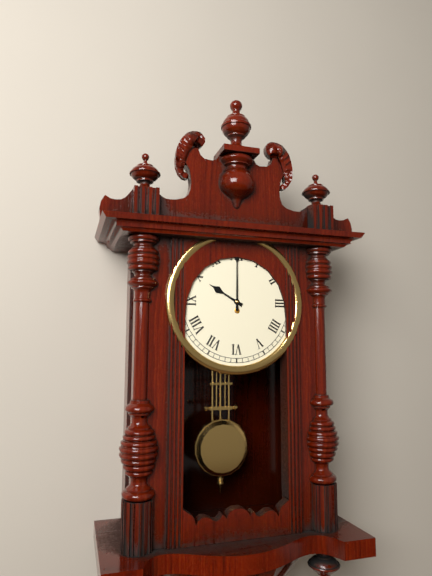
10:00
